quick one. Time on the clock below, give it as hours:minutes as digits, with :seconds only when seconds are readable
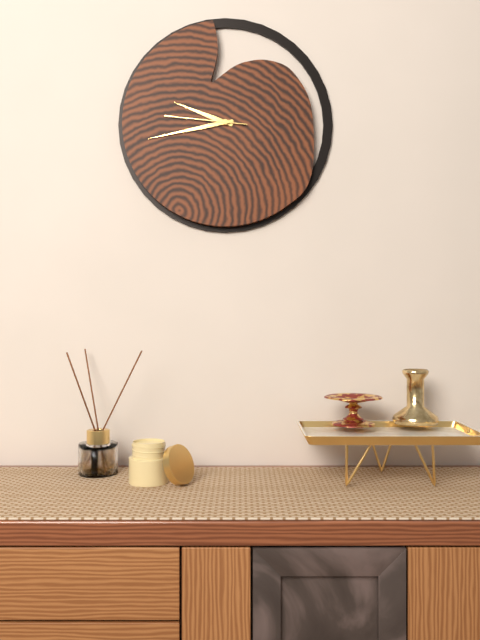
9:43:46
